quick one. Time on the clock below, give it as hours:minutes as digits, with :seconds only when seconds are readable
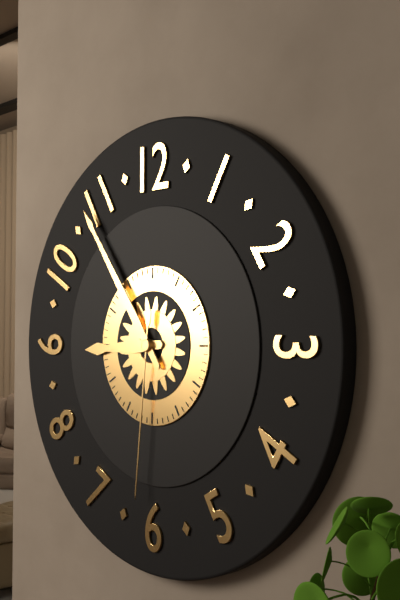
8:54:31
